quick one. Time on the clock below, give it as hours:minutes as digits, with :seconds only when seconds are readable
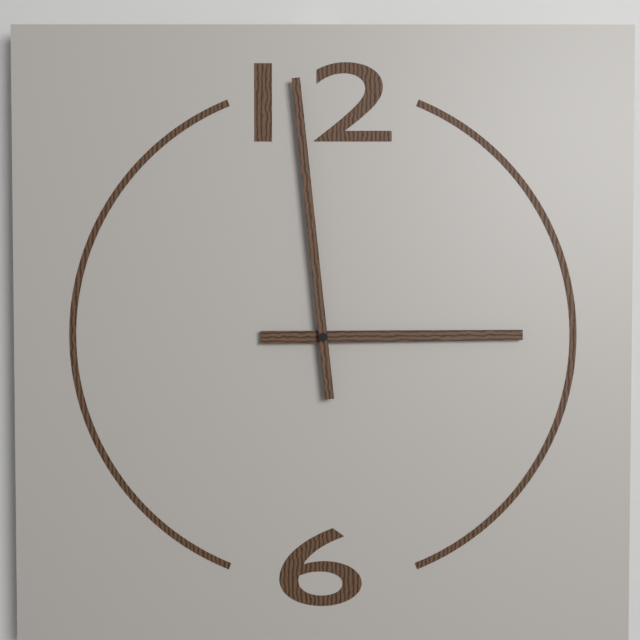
2:59
